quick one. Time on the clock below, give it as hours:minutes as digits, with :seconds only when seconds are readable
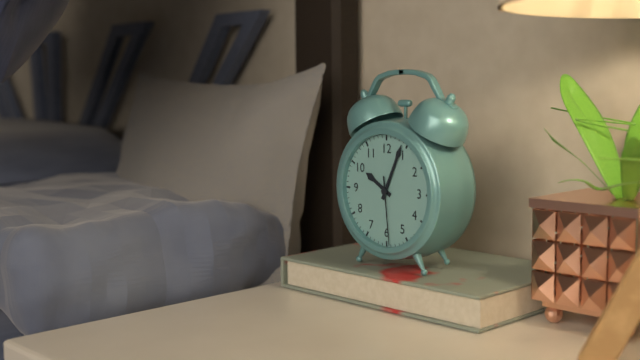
10:04:29
